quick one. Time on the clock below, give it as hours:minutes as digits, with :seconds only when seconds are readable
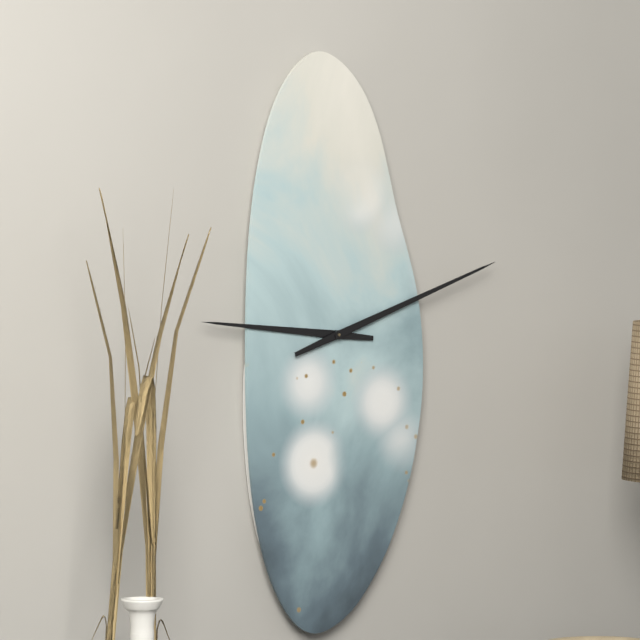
9:12
